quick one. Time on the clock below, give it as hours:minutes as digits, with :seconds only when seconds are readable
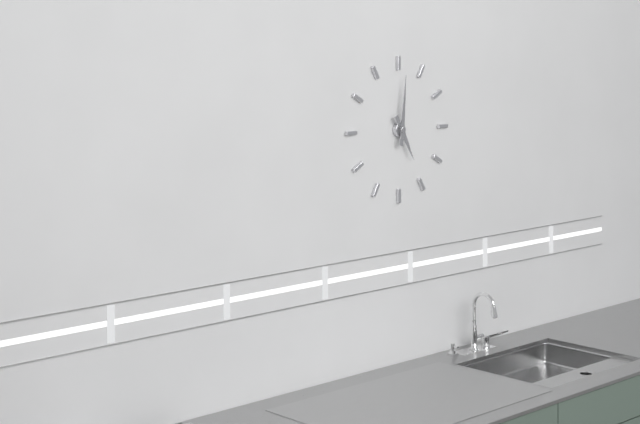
5:01
